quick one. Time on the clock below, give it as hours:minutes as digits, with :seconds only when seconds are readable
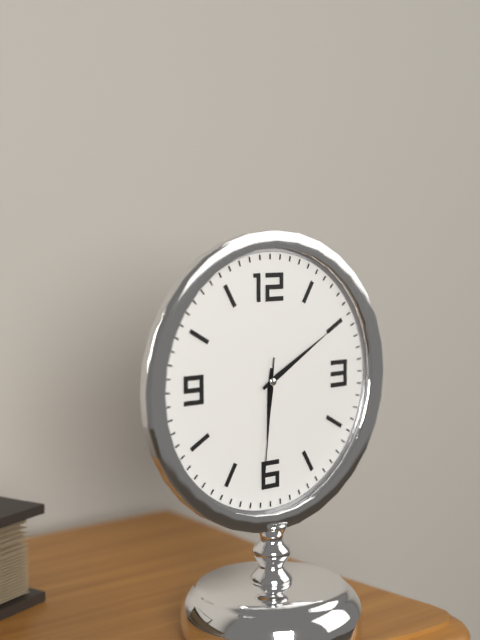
6:10:31
